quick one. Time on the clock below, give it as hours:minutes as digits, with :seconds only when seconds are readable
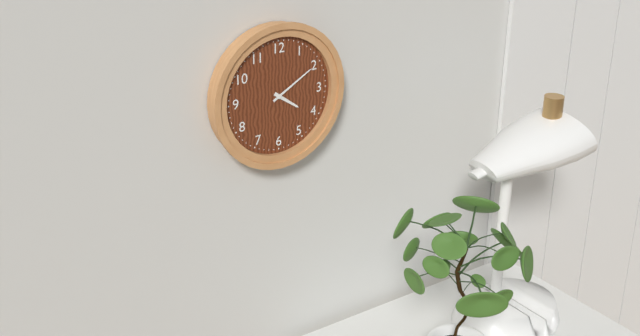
4:10
